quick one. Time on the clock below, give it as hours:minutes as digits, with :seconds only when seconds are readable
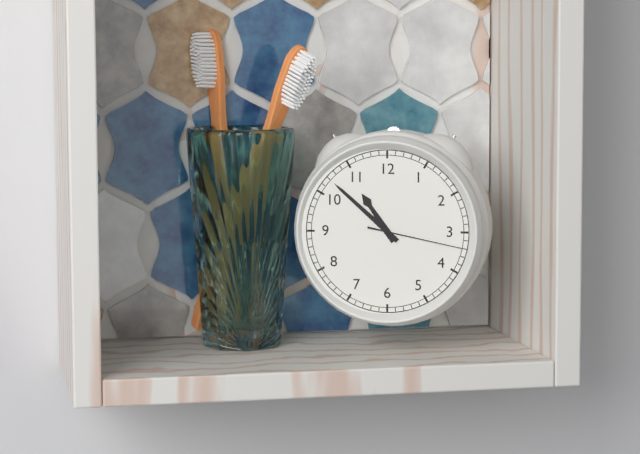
10:52:17
